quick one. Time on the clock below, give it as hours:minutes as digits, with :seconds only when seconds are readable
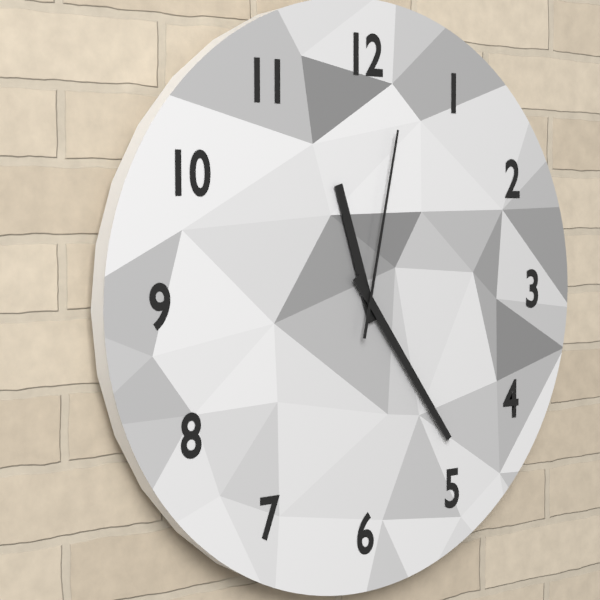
11:24:02
